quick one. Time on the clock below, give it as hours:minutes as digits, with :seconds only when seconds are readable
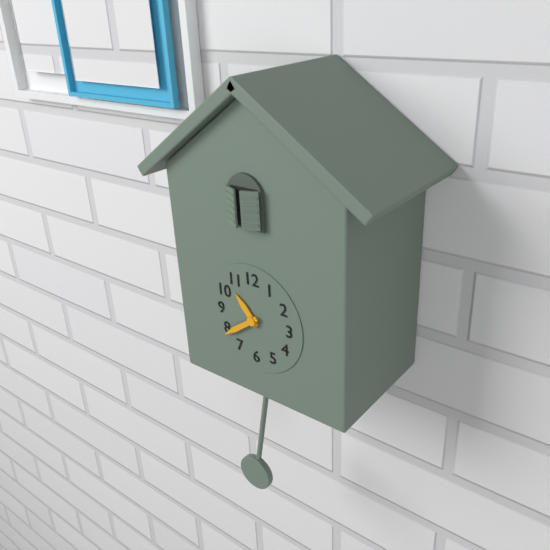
10:39
